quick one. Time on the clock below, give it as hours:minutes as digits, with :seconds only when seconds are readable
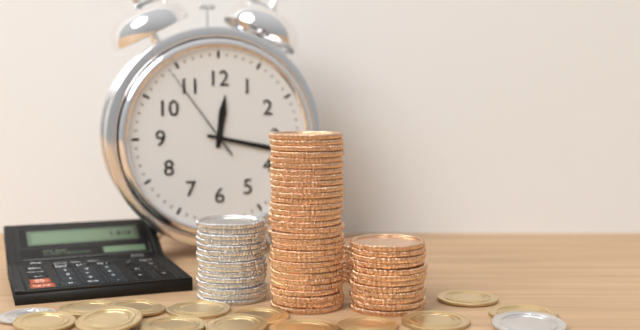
12:17:54
